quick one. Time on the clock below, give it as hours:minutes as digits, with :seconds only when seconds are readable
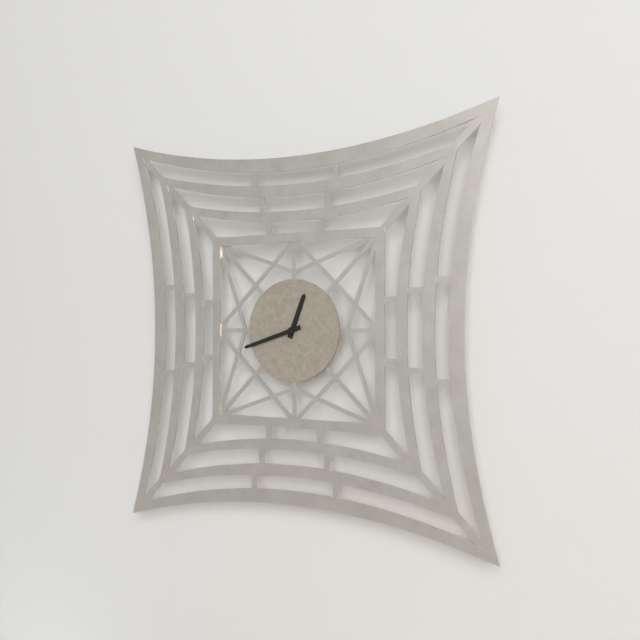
12:42
